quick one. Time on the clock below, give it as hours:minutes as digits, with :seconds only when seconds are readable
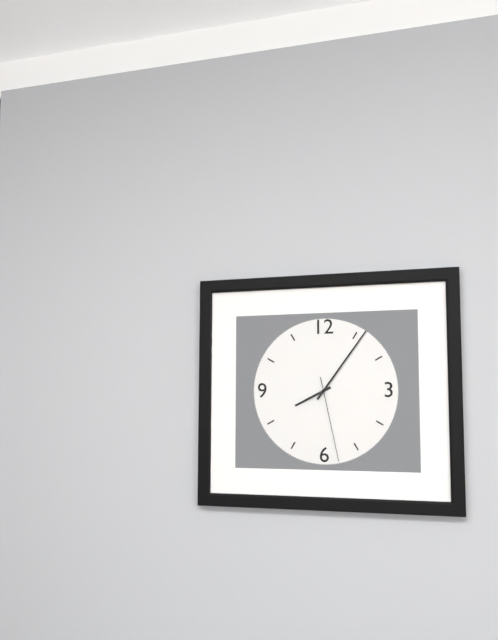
8:06:28
